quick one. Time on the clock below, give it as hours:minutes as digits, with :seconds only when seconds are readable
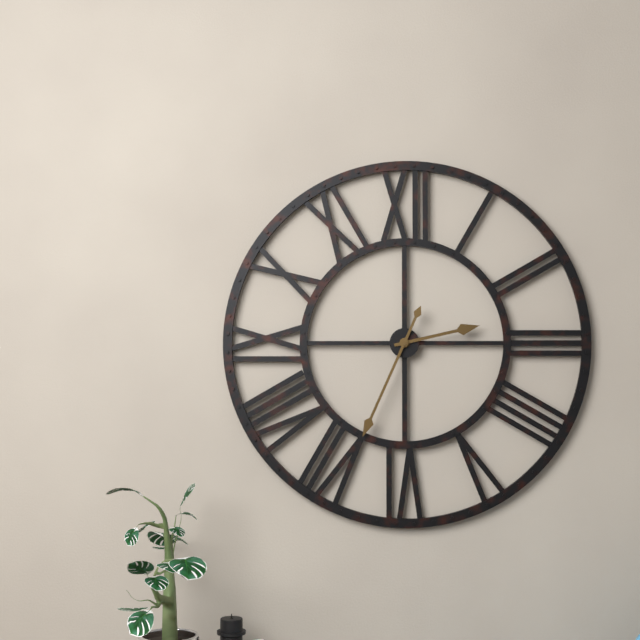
2:34
